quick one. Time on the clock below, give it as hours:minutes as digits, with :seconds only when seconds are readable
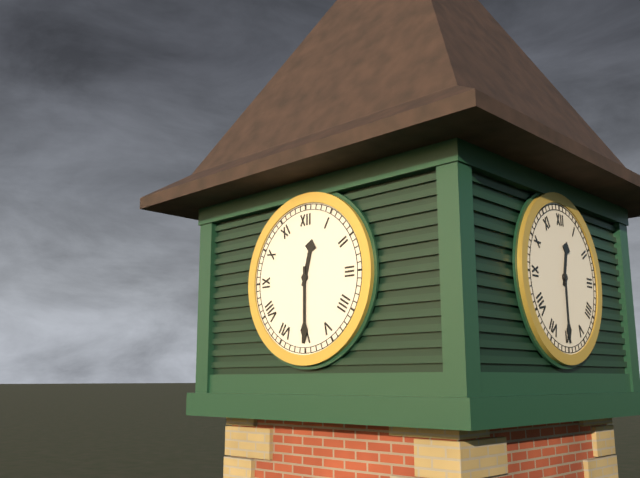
12:30
